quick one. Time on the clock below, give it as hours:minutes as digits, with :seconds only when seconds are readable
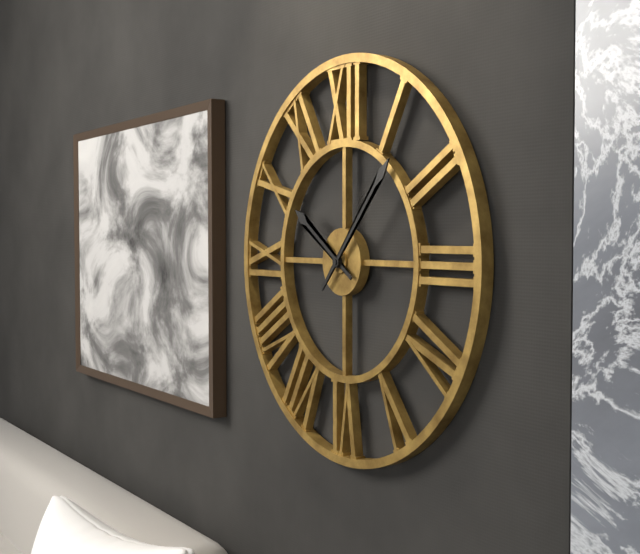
10:07
